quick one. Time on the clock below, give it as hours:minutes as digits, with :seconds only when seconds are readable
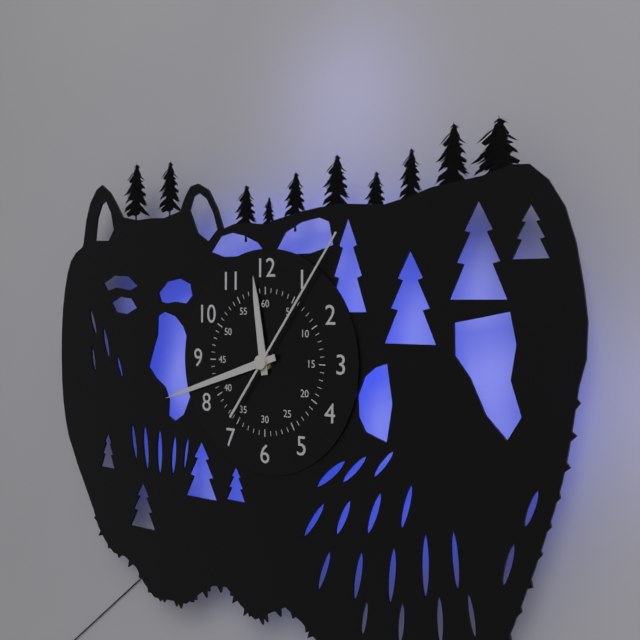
11:42:06
